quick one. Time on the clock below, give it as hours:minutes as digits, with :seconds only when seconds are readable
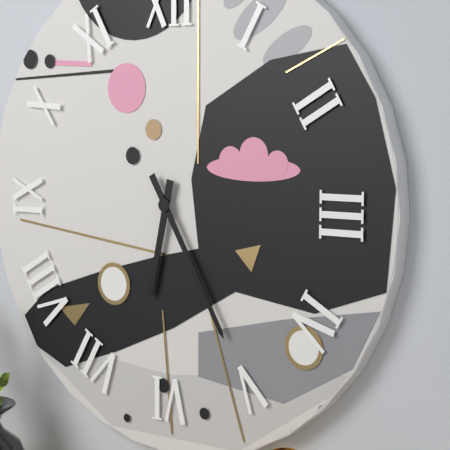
6:25
